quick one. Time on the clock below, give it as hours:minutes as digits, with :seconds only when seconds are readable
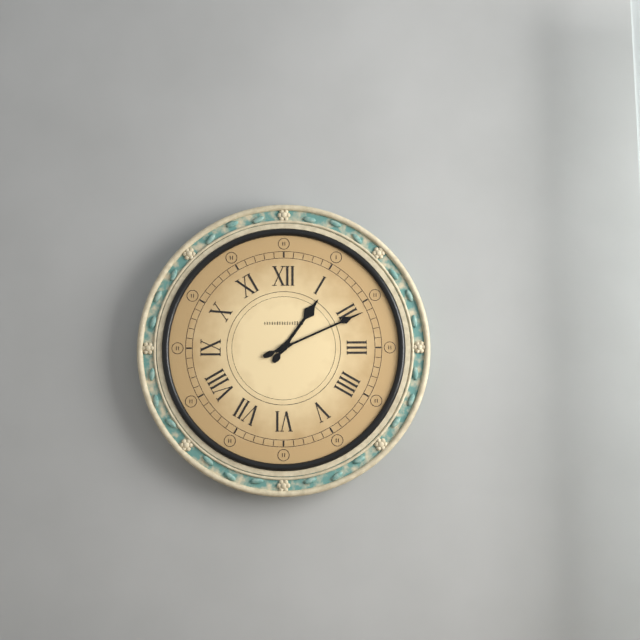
1:11
